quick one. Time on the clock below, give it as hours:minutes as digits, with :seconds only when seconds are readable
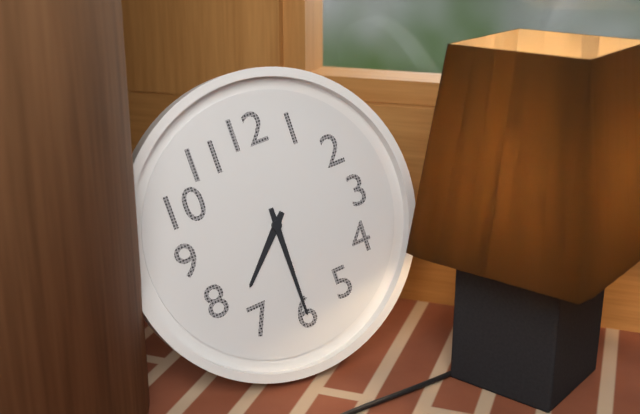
7:30
